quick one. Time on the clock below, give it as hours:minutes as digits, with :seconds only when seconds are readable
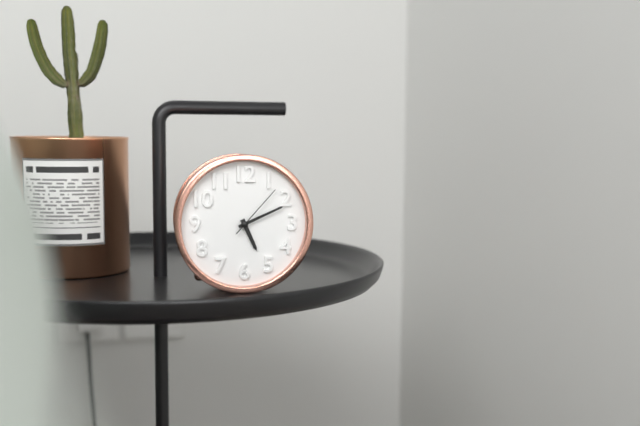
5:11:07
